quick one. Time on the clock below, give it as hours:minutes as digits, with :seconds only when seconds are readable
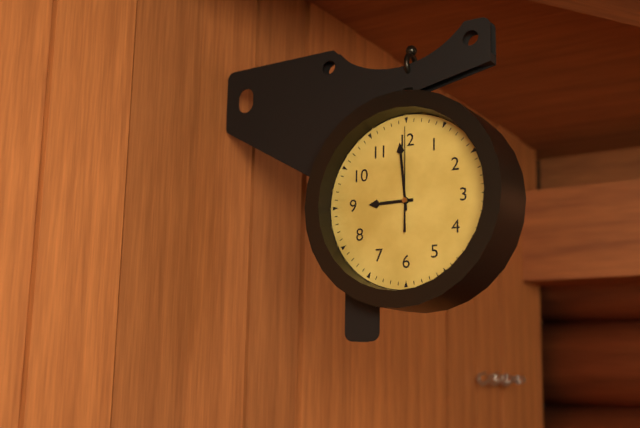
8:59:00
